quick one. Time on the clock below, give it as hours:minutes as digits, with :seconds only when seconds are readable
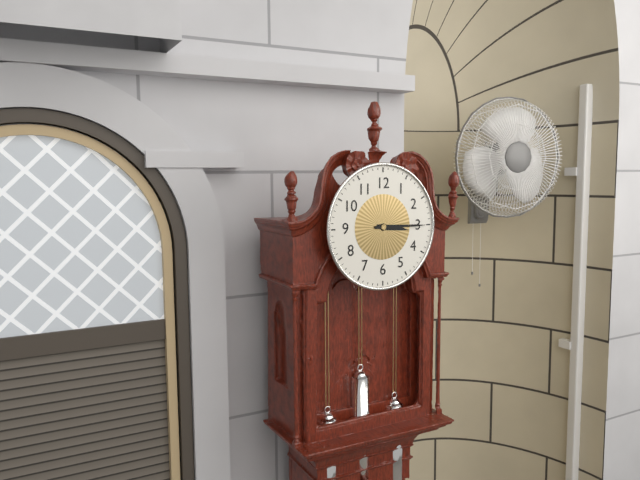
3:15
